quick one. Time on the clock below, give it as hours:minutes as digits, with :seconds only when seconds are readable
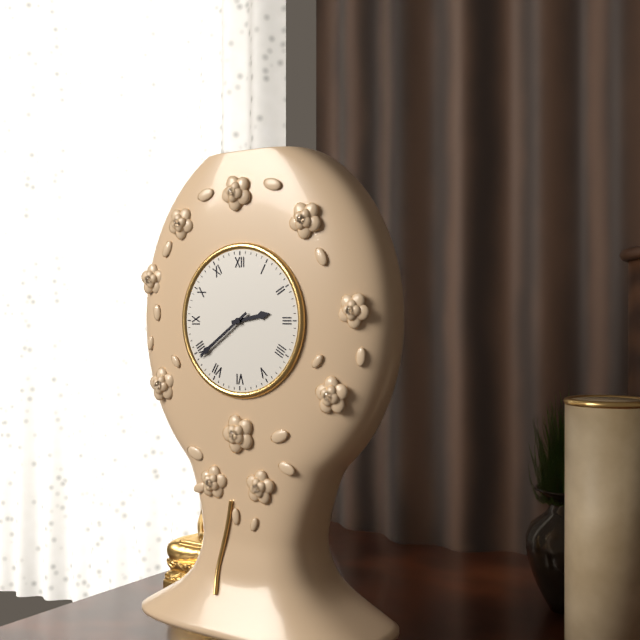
2:39
